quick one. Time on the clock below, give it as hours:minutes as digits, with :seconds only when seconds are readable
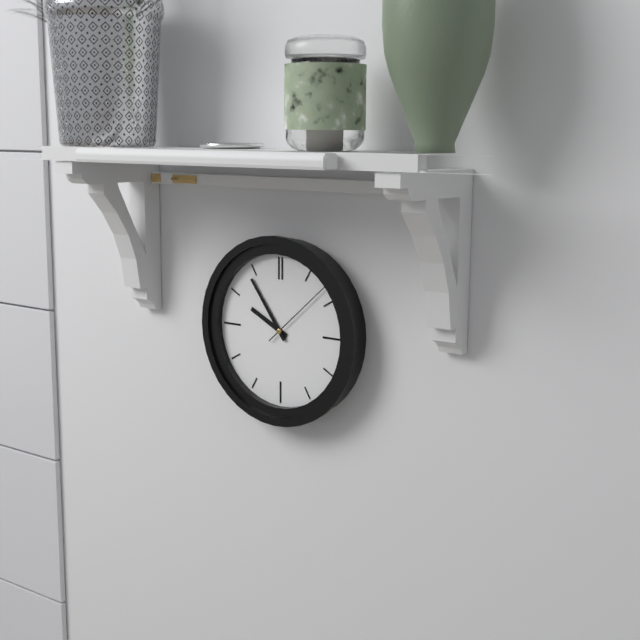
9:54:08
